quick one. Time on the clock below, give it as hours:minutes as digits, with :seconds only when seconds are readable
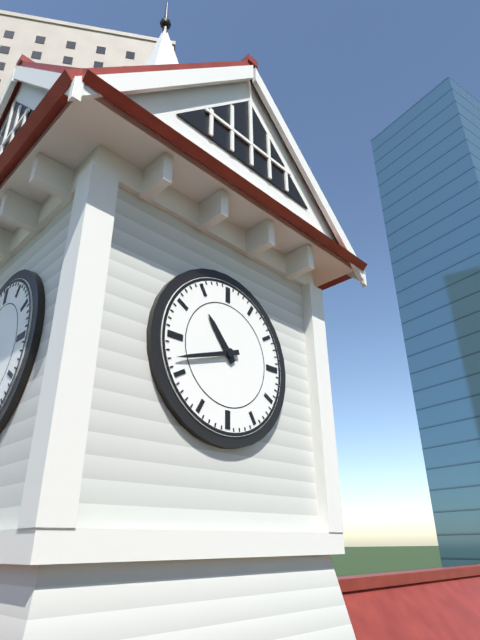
10:42
